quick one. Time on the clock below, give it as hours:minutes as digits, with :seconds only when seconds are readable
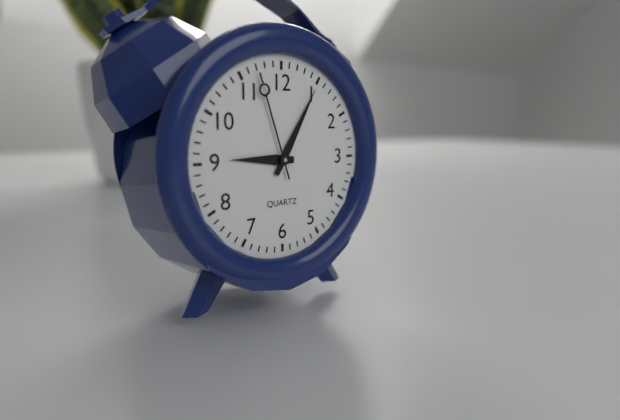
9:05:57
